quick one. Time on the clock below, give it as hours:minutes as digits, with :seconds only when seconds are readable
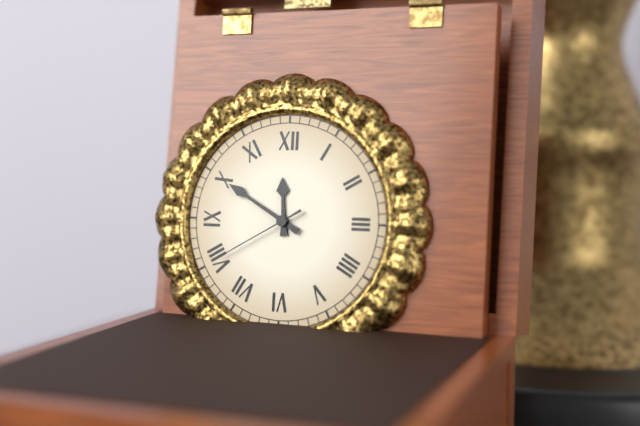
11:50:40
